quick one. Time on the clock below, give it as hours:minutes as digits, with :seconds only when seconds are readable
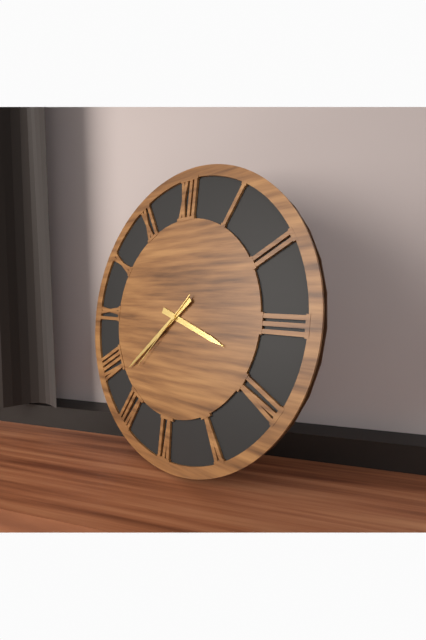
3:38:37
